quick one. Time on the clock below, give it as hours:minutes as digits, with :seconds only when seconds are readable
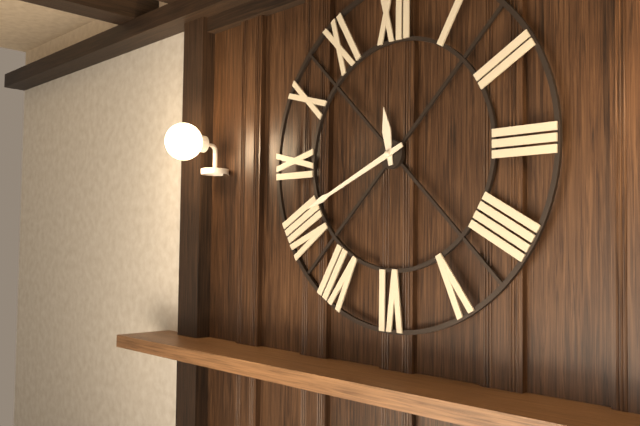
11:41
